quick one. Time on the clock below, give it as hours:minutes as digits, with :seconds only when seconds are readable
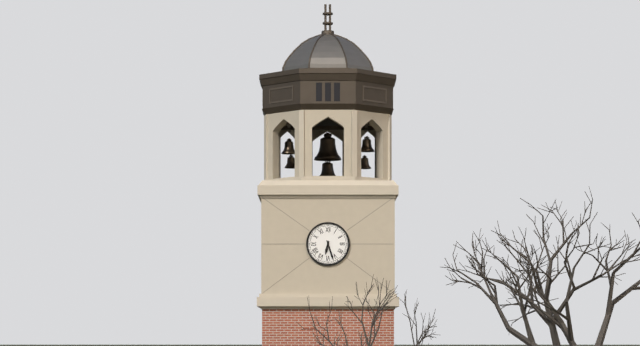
6:27
